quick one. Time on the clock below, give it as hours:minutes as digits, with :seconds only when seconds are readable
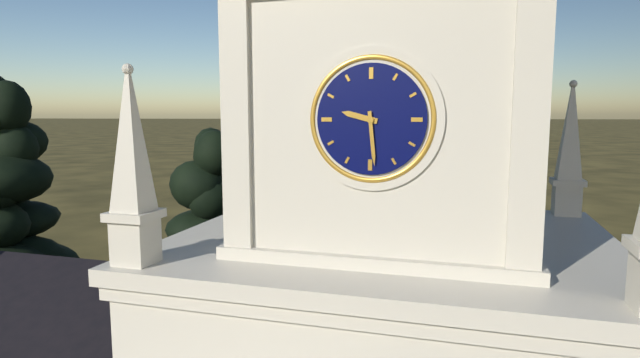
9:29
